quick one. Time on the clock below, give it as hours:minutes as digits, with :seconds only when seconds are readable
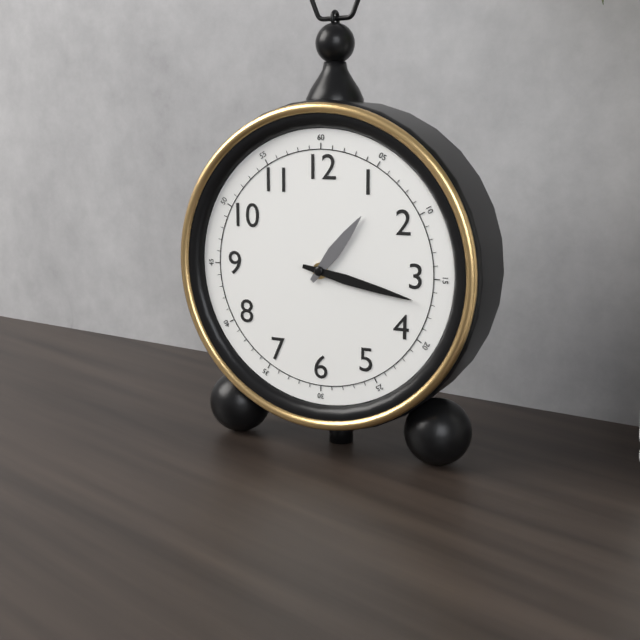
1:17
